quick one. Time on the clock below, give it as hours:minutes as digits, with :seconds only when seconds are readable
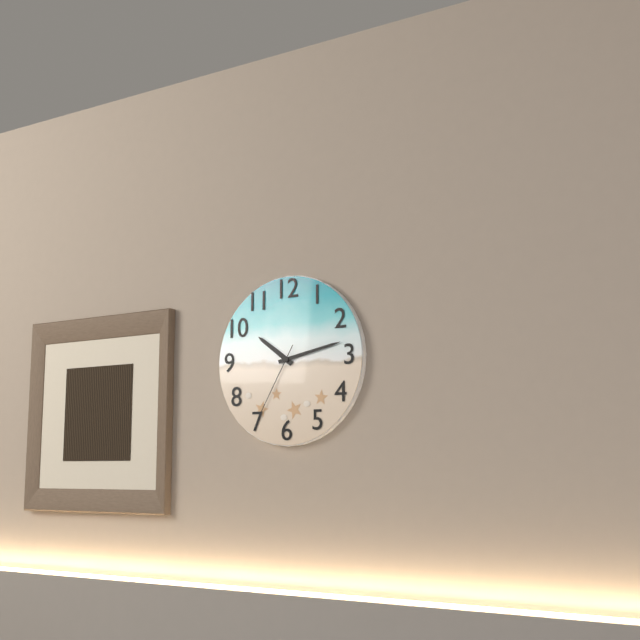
10:13:35
